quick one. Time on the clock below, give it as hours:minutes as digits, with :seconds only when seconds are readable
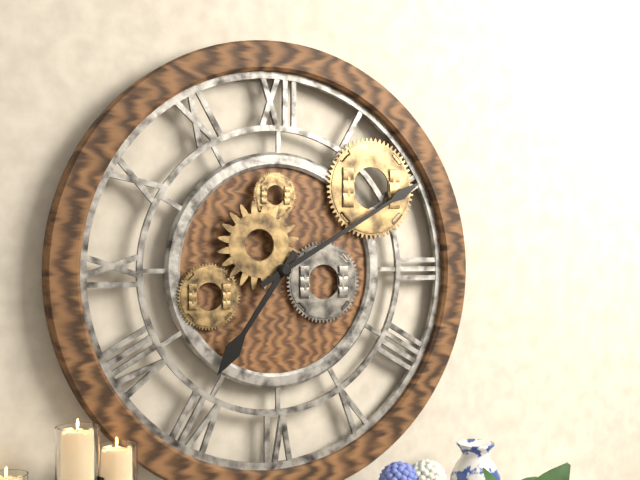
7:10
